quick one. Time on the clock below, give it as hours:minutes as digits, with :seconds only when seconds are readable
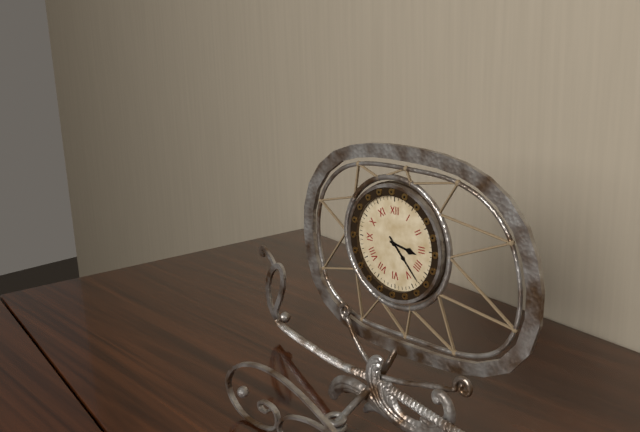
3:23
